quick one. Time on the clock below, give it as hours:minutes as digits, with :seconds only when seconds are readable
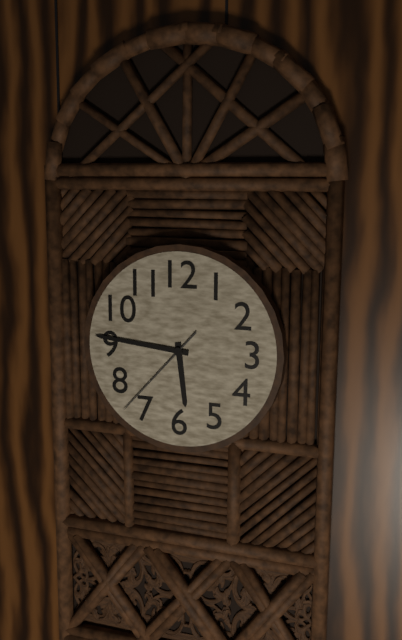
5:46:37
